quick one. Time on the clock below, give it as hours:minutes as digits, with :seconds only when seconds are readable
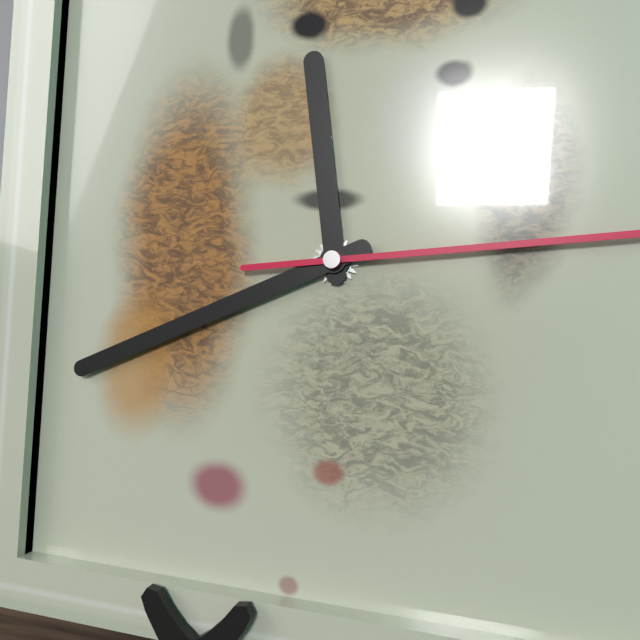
11:41
